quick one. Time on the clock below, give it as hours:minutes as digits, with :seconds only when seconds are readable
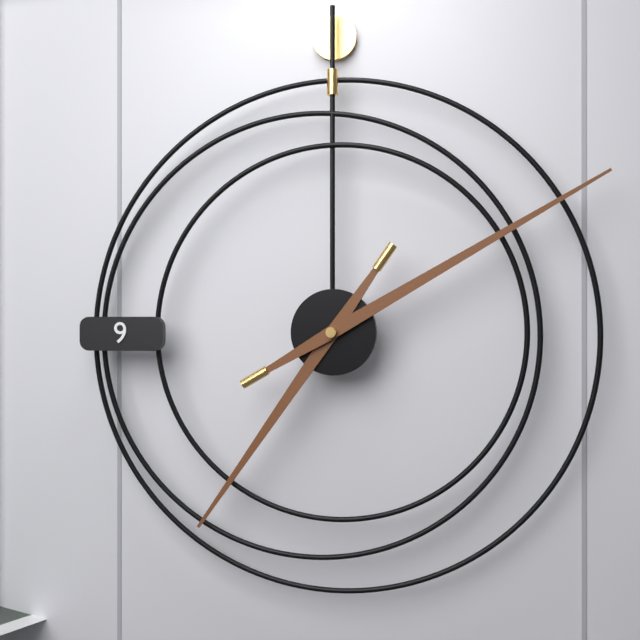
7:10
